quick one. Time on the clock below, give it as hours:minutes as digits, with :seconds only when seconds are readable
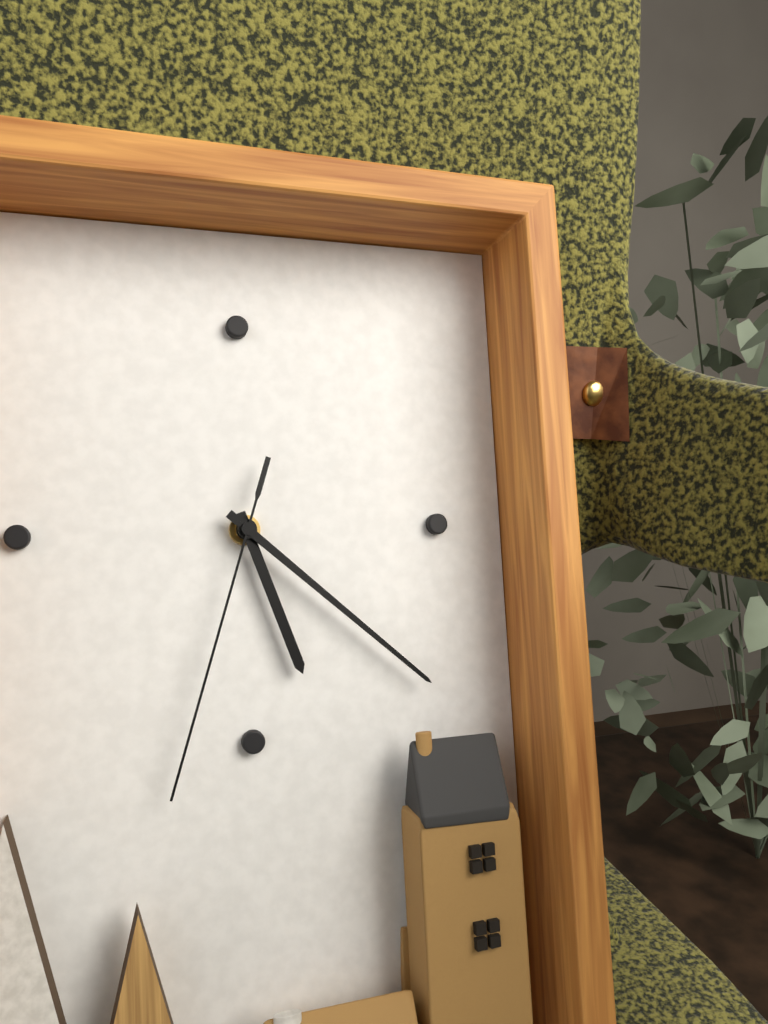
5:22:33
